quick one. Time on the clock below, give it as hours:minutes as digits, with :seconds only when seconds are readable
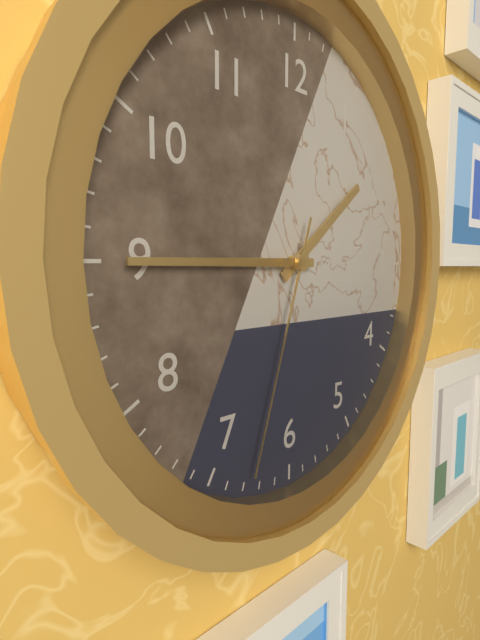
1:45:33
